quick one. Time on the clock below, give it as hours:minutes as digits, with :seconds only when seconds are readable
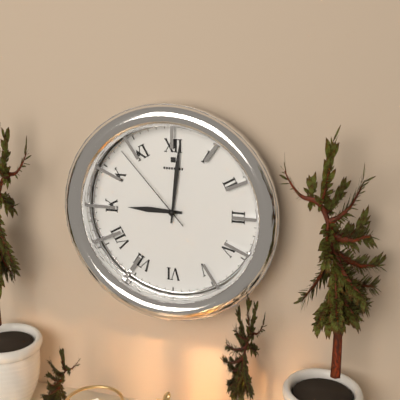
9:01:53
